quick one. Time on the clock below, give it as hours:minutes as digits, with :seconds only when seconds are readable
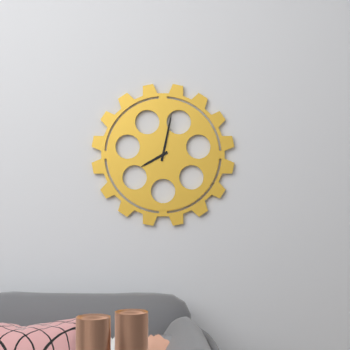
8:02
